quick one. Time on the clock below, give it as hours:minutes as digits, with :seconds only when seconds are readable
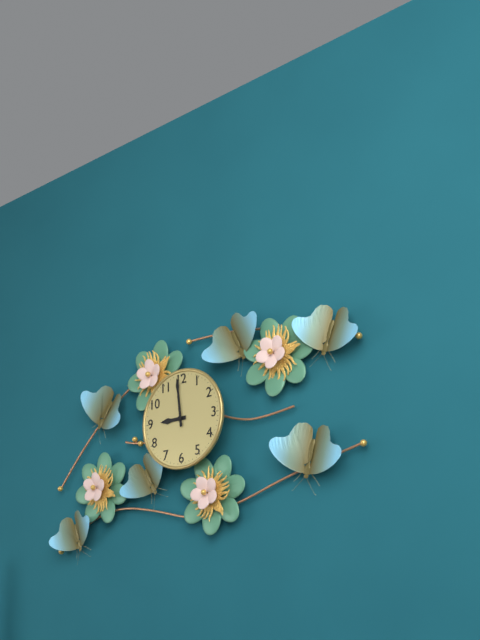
8:59
